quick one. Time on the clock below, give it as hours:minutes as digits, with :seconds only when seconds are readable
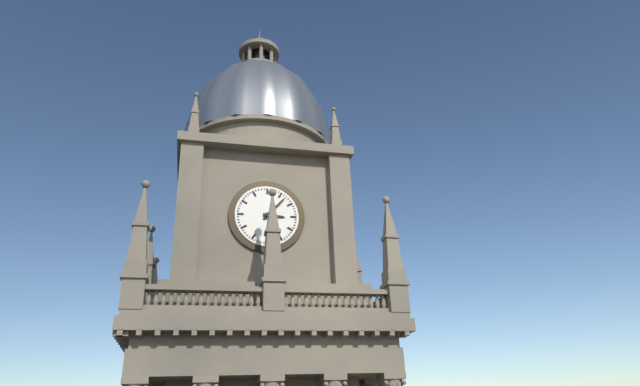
3:07
